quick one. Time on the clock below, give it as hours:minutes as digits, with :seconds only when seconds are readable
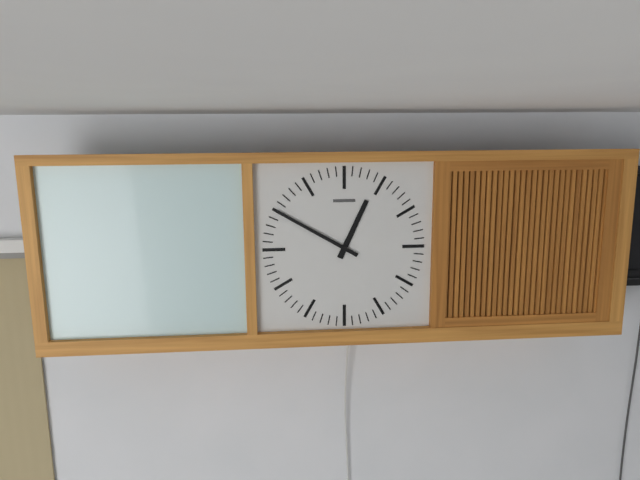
12:50
